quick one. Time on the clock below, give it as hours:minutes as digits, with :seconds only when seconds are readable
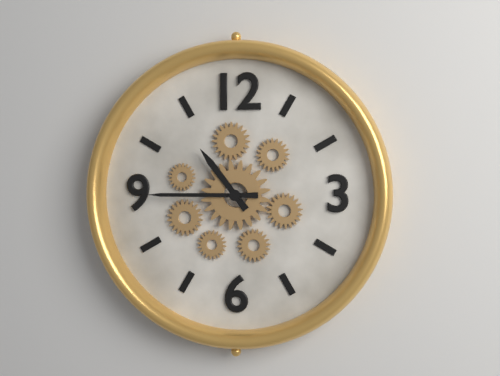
10:45
